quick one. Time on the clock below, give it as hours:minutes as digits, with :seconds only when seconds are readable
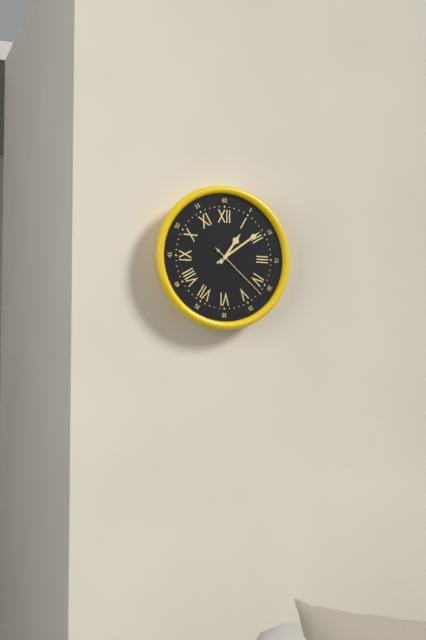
1:09:22
